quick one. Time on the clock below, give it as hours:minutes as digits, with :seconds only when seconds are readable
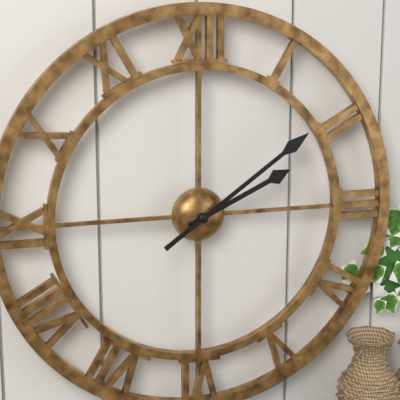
2:09
